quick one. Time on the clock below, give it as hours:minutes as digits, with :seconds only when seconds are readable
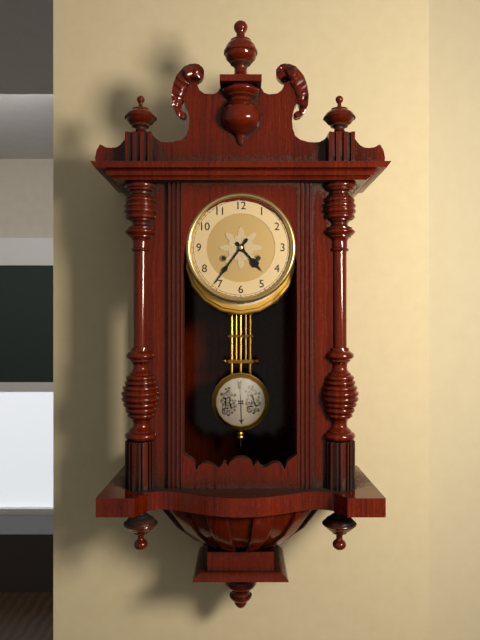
4:36
